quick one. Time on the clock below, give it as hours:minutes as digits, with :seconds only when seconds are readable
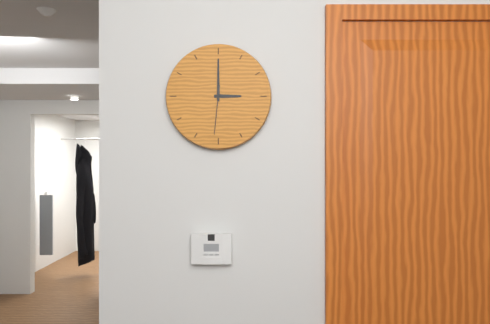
3:00
